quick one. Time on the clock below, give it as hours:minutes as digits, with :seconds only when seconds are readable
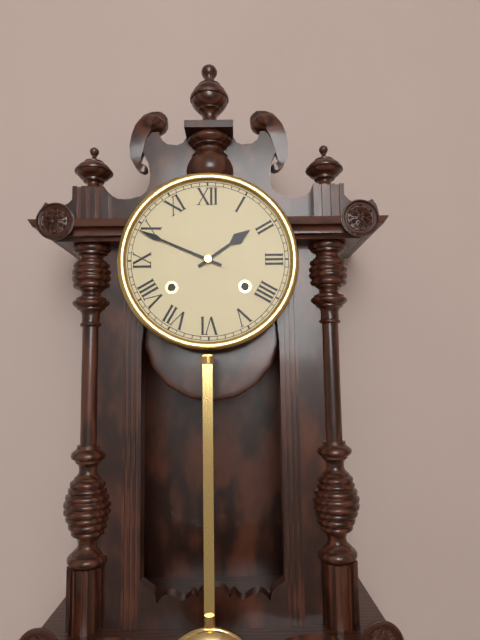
1:49
